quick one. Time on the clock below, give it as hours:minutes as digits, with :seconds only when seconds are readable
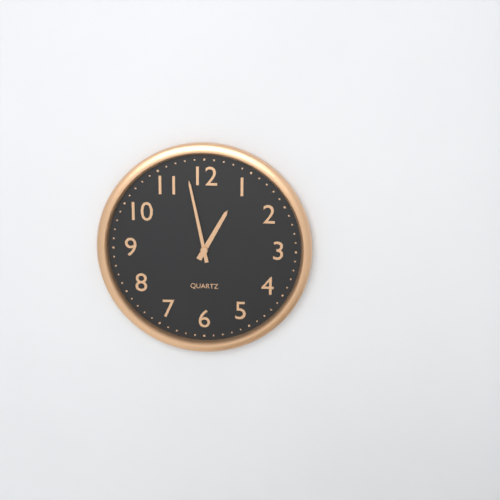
12:58
